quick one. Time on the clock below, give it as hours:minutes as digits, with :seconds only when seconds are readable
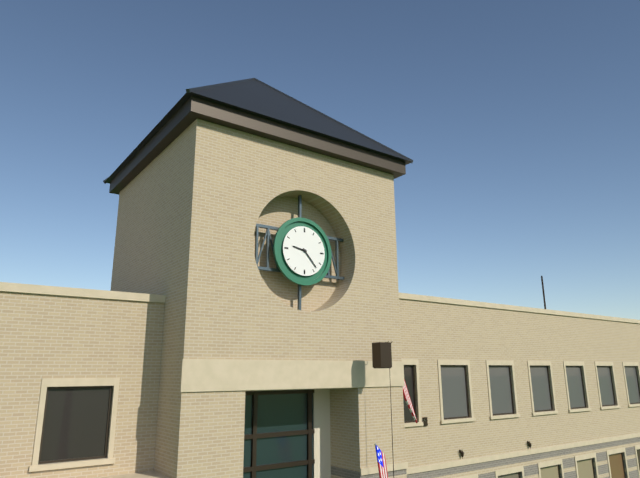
9:23
